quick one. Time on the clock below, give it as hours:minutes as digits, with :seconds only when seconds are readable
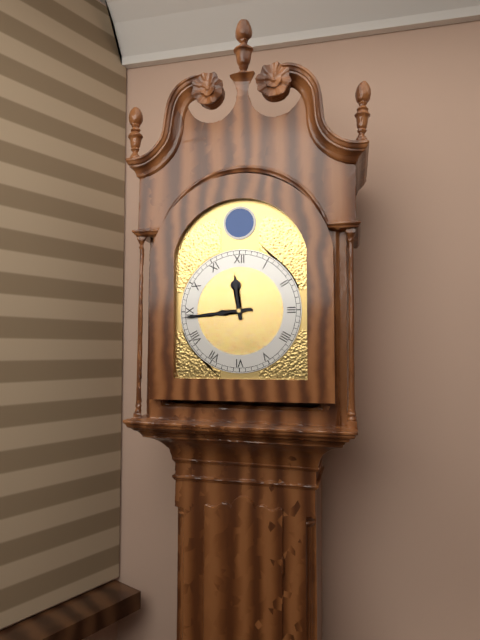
11:44
